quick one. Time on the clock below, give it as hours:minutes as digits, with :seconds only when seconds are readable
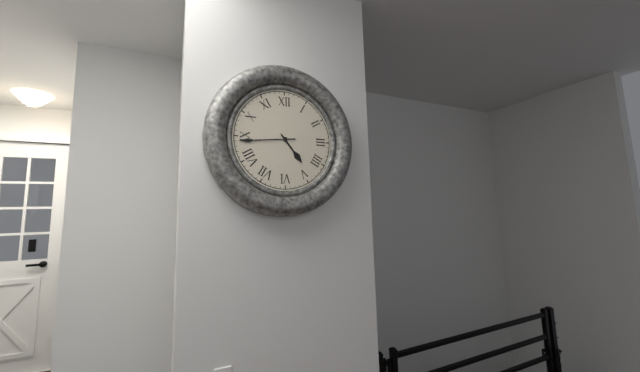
4:44
